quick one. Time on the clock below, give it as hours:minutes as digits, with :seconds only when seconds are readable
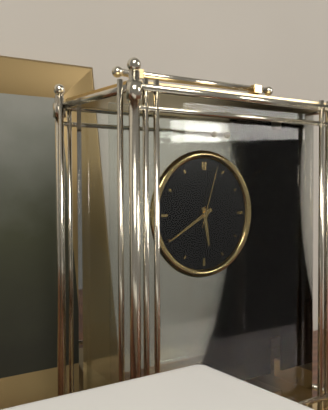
5:40:03
